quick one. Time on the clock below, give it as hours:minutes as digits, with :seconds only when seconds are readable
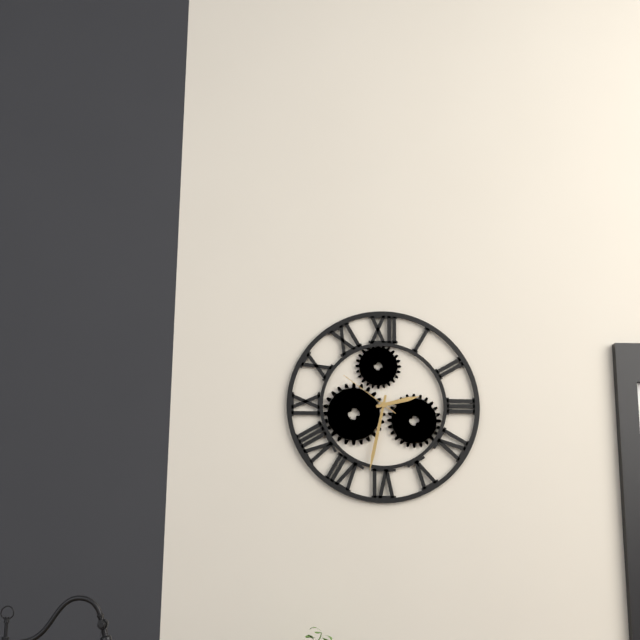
2:32:51
